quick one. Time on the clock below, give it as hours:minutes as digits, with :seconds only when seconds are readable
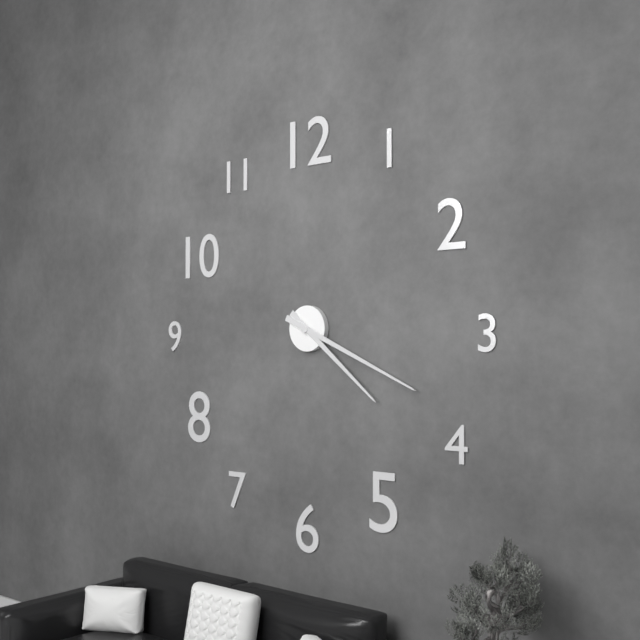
4:19
